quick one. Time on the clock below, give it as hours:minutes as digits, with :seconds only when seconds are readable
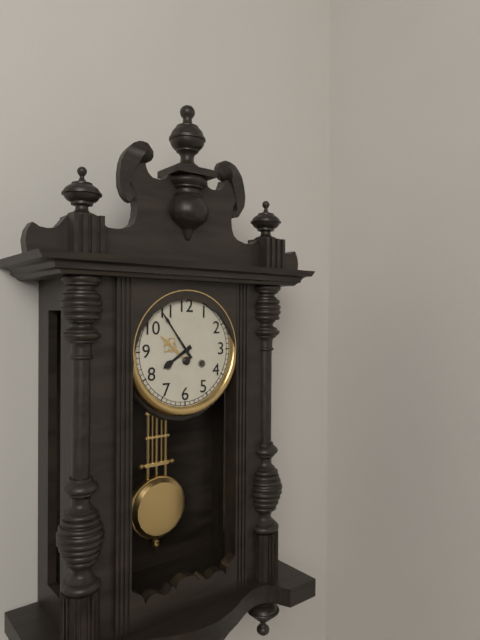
7:54
